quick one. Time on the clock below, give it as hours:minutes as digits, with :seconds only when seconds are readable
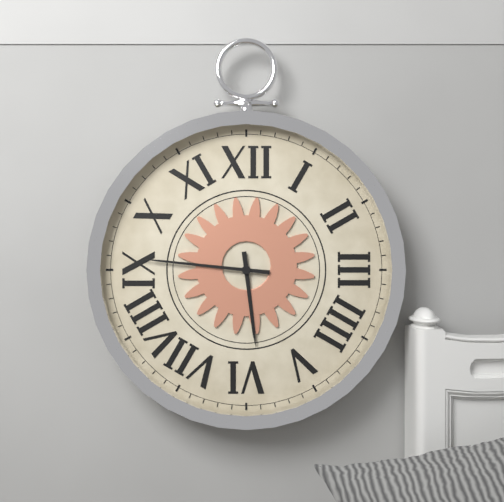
5:46
